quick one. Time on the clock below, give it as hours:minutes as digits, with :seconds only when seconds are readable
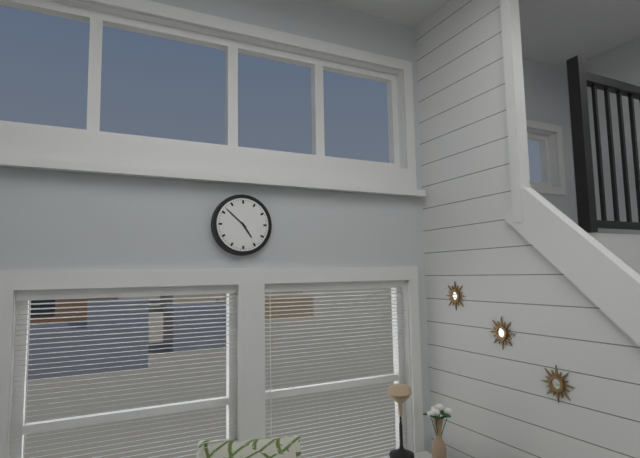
4:52
